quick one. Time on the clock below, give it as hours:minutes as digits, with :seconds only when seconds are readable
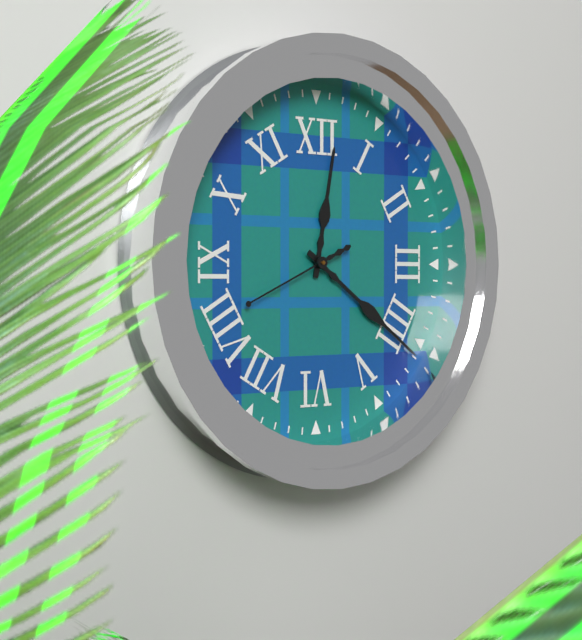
12:21:41
